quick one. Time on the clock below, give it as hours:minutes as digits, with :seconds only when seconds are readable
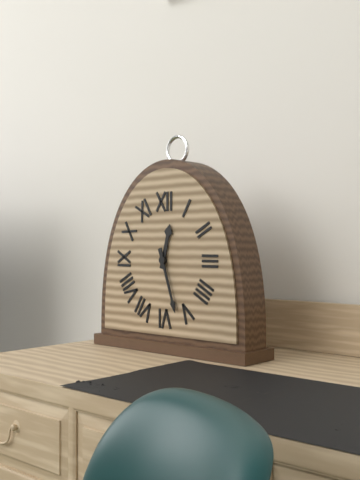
12:27
